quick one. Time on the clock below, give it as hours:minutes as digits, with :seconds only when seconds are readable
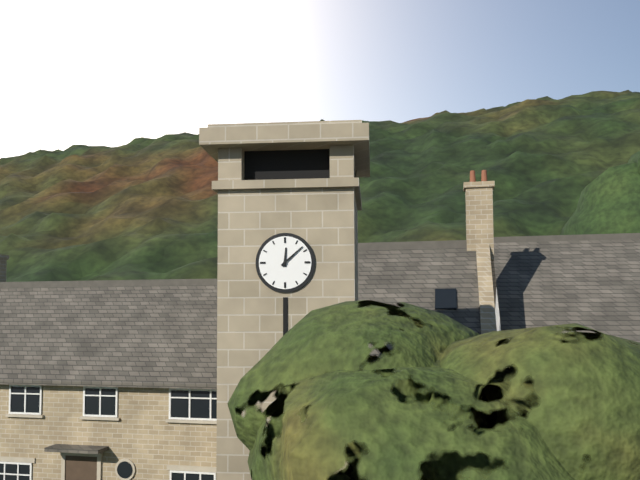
12:08
